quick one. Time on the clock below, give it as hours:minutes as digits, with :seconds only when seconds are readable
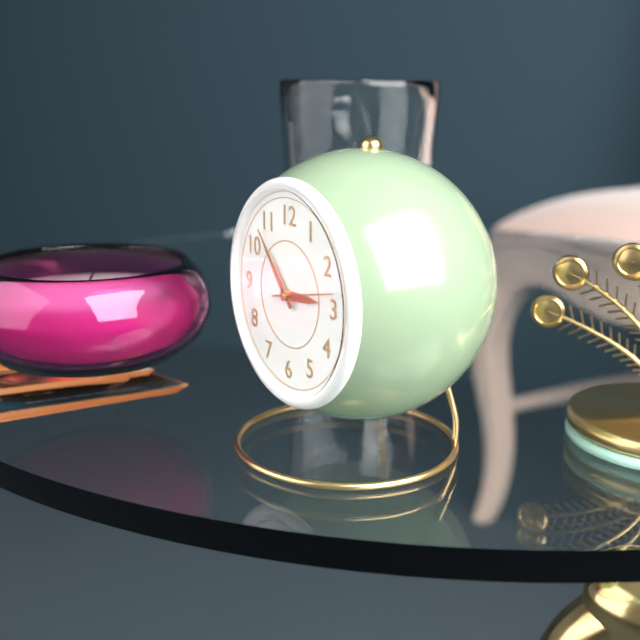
2:53:13
